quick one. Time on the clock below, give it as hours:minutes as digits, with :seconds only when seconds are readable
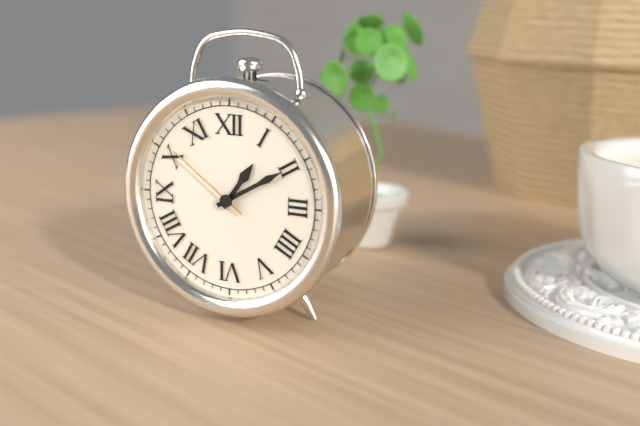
1:10:51
